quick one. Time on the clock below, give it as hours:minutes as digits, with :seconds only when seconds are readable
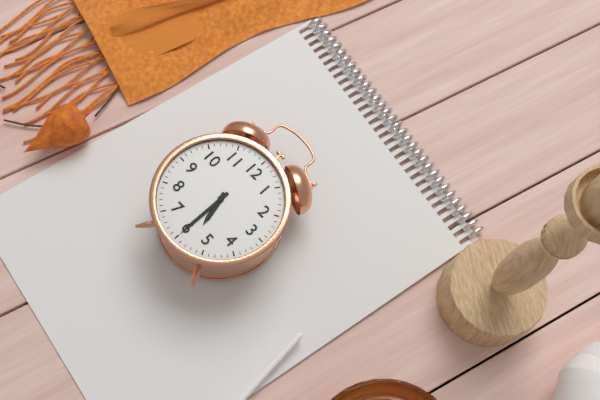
5:30
